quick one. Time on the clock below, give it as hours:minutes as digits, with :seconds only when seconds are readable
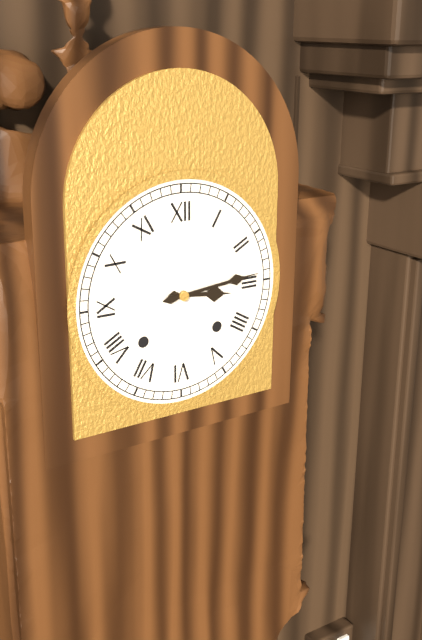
3:14
